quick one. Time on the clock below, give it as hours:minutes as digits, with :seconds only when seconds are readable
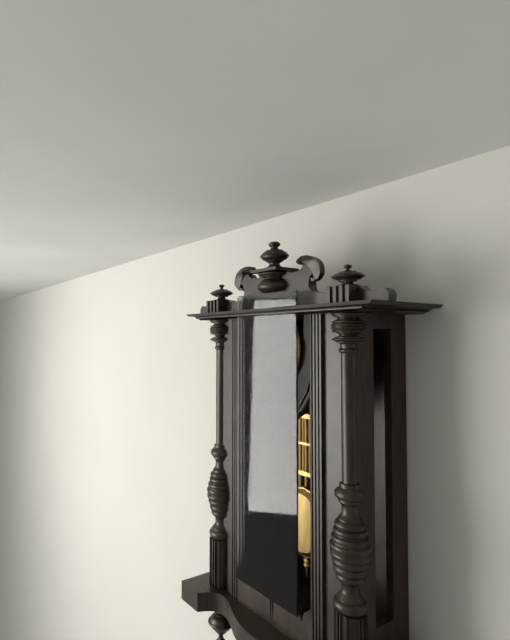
10:20
